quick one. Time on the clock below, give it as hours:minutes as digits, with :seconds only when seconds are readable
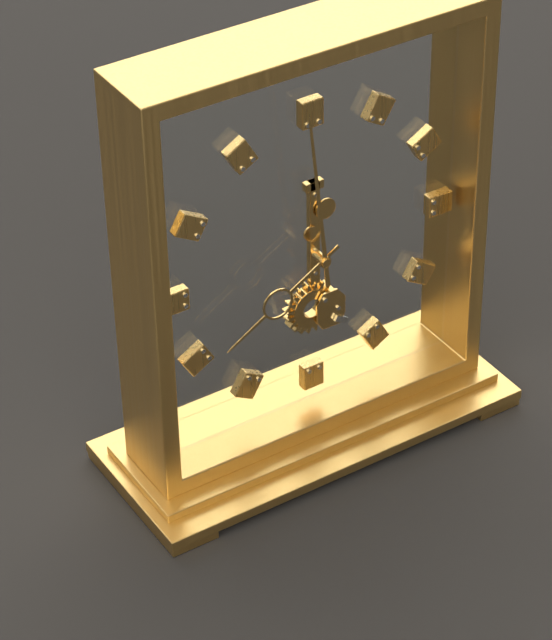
7:59
